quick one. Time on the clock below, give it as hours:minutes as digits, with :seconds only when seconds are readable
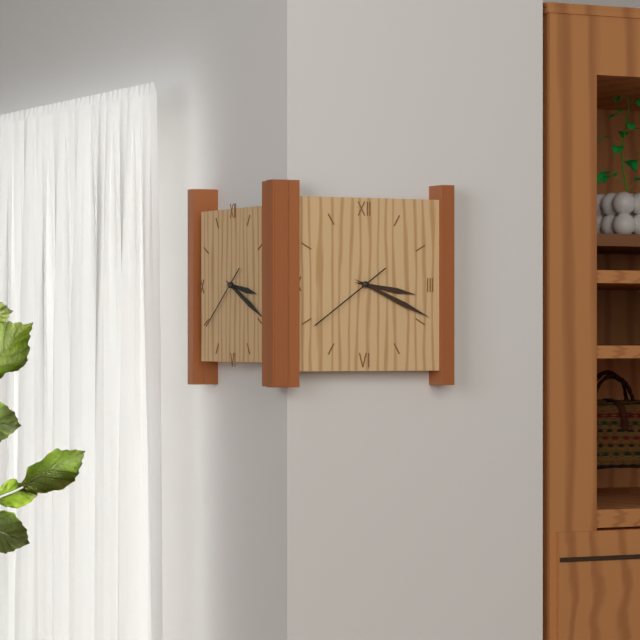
3:19:39
